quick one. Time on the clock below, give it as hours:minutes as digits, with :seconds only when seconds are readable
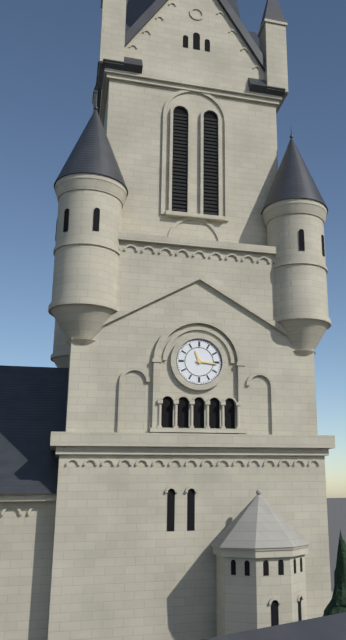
11:16
